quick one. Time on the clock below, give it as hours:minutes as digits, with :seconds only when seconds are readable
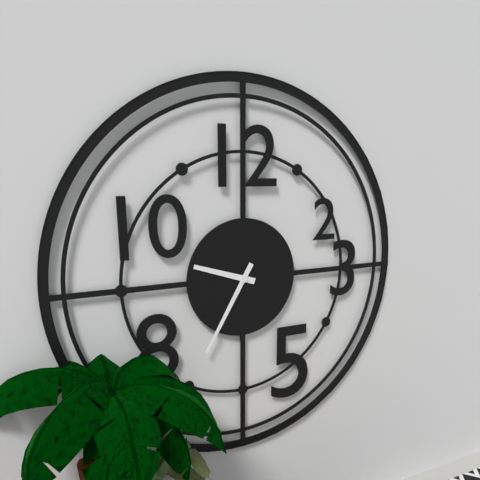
9:35
